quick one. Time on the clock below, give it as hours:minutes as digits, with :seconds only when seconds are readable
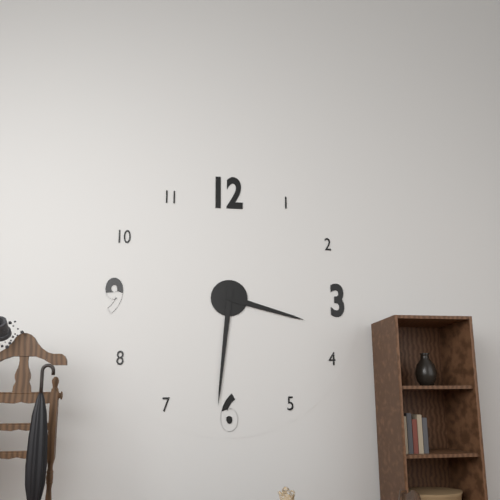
3:31
